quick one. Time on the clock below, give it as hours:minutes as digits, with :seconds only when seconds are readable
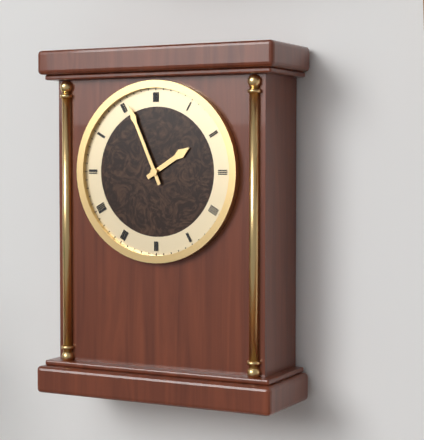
1:56
